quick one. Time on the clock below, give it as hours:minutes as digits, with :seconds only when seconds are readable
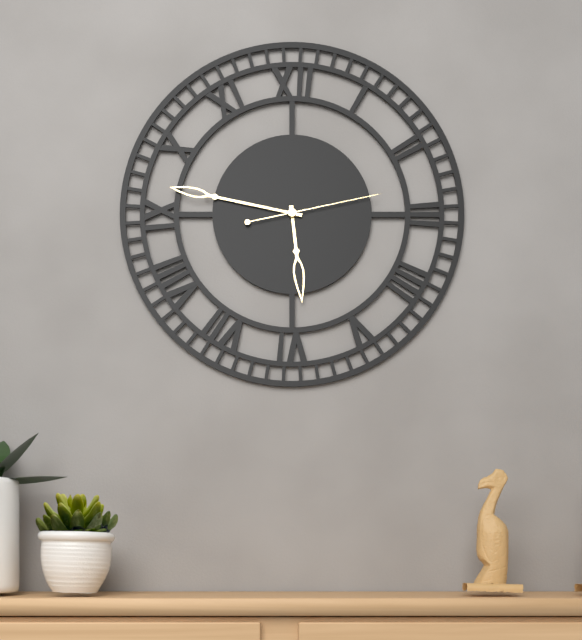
5:47:13
